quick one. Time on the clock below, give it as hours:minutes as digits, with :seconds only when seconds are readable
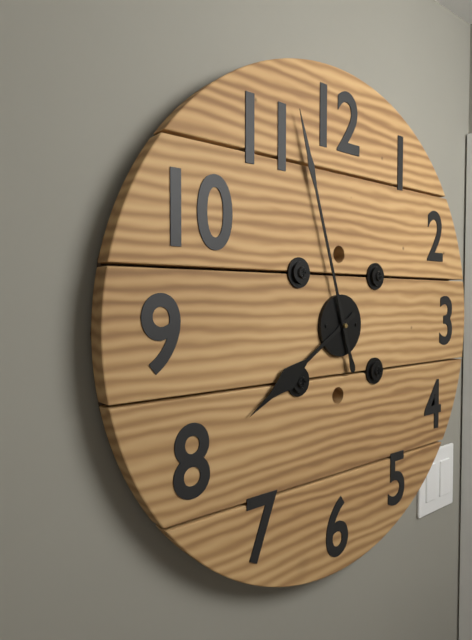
7:57
